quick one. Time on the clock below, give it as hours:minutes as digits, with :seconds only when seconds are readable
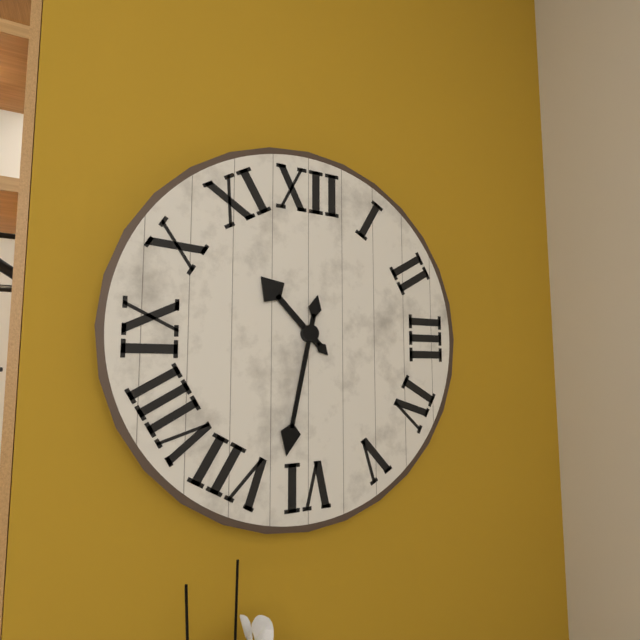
10:32
